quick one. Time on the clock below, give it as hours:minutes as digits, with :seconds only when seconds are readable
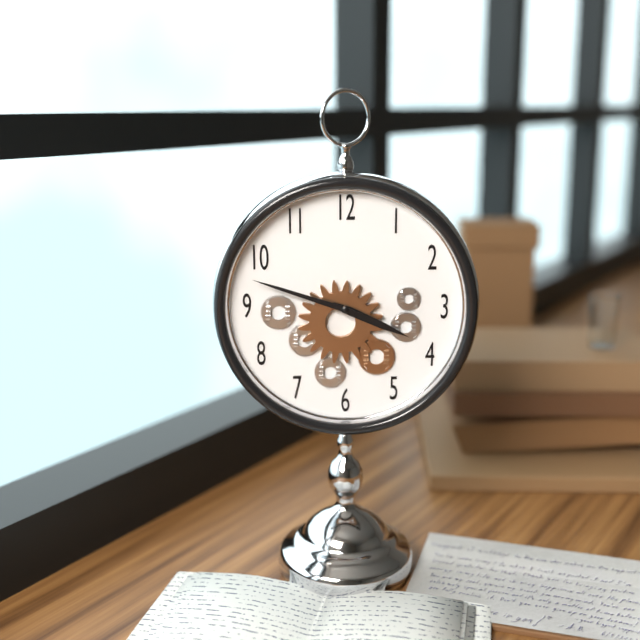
3:48
